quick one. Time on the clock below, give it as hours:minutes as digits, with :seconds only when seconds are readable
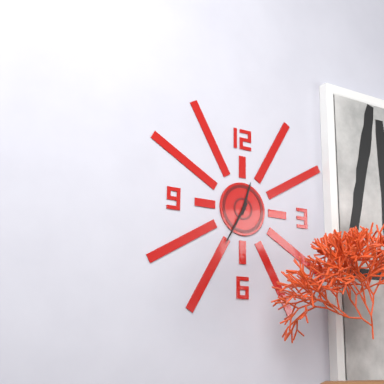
12:35
